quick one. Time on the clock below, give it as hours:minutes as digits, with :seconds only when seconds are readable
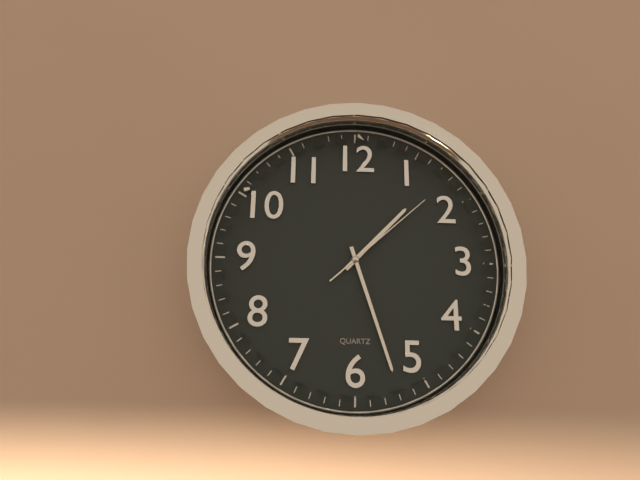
1:27:08
